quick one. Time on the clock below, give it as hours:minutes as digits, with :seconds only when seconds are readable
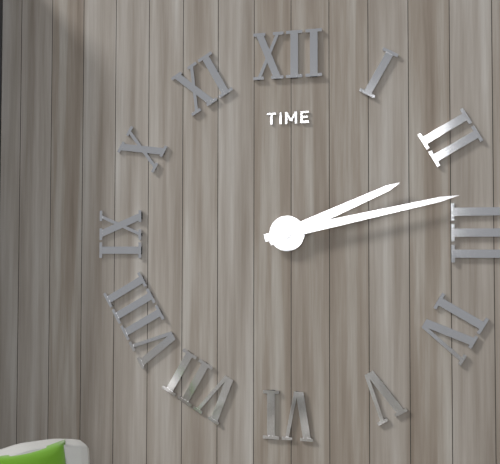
2:13
